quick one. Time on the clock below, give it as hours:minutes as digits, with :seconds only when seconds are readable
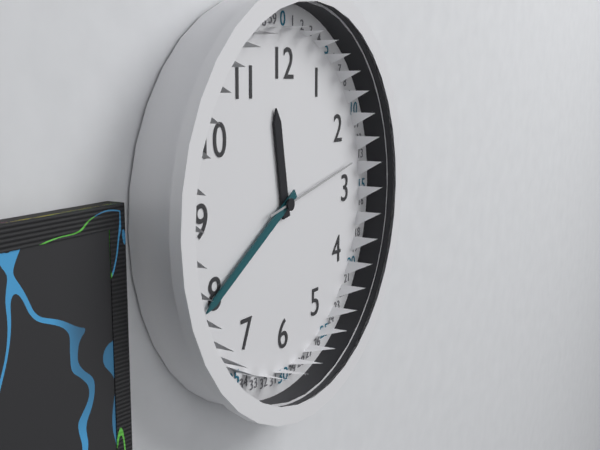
11:40:13
